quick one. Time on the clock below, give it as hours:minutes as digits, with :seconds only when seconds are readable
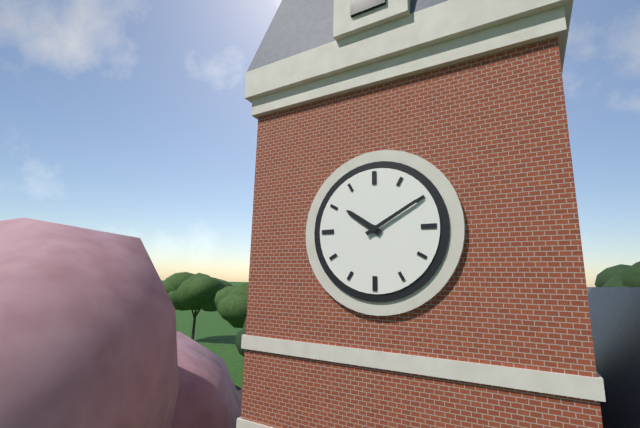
10:10
